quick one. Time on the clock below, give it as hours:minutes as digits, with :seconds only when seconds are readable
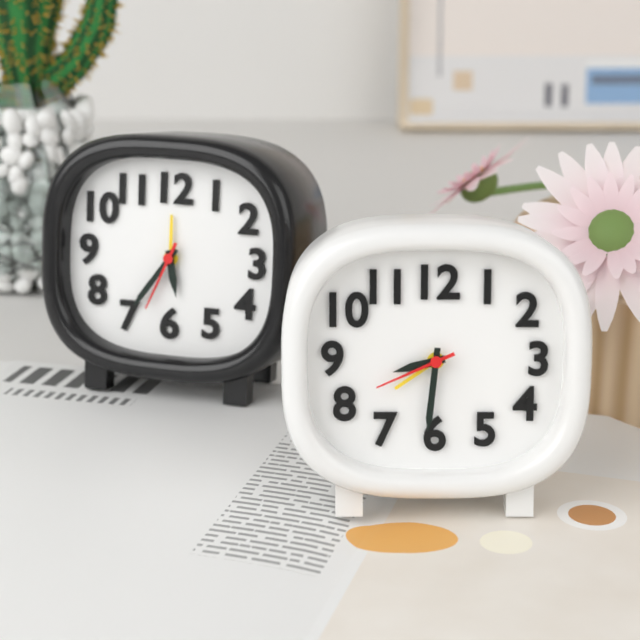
8:31:41
